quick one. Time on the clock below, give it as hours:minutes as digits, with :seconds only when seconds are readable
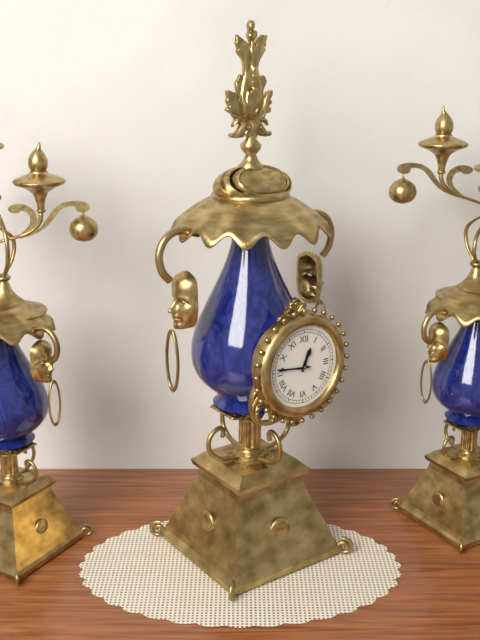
12:46
